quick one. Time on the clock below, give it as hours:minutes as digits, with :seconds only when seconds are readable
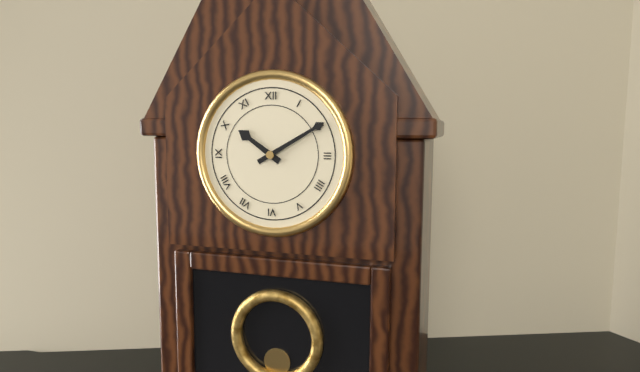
10:10
